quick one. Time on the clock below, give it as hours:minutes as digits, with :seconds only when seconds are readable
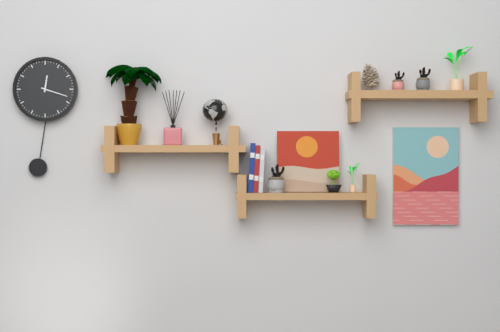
12:18
